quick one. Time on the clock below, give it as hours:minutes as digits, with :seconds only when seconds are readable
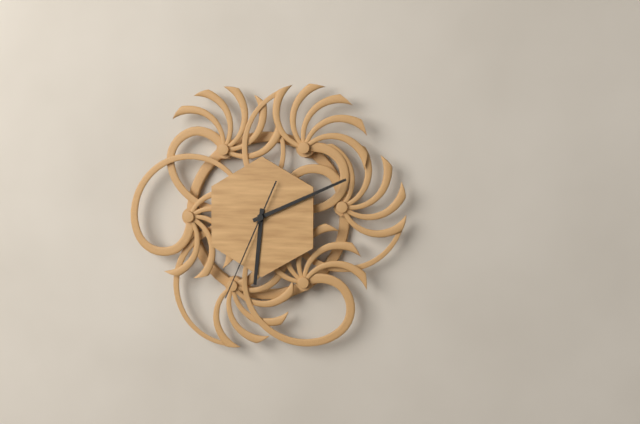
6:11:34
